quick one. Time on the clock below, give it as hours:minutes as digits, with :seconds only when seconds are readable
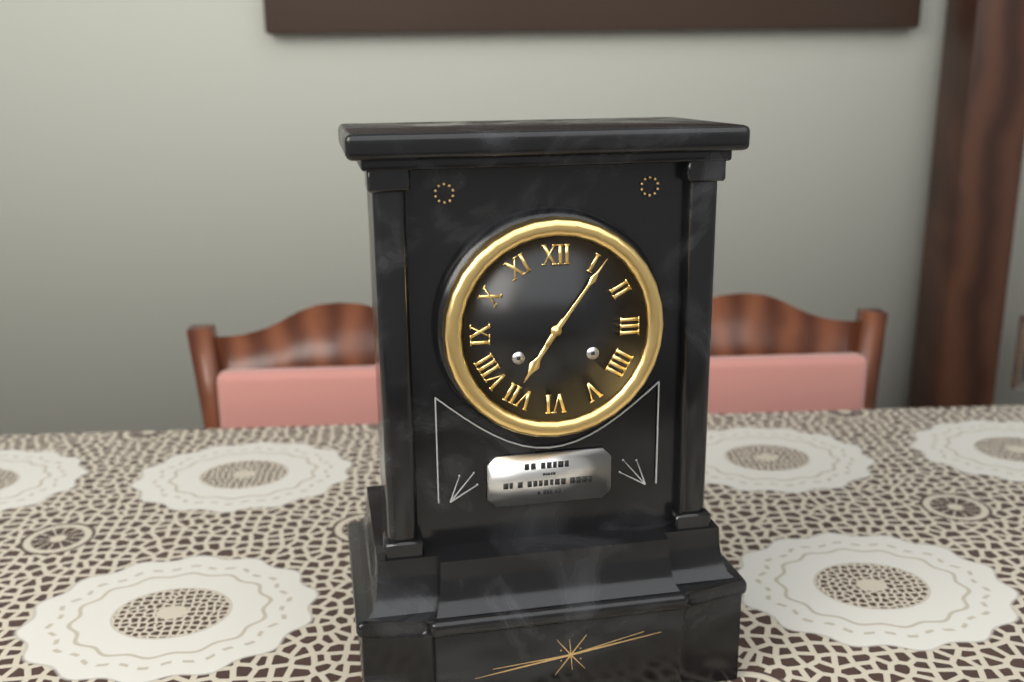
7:06
